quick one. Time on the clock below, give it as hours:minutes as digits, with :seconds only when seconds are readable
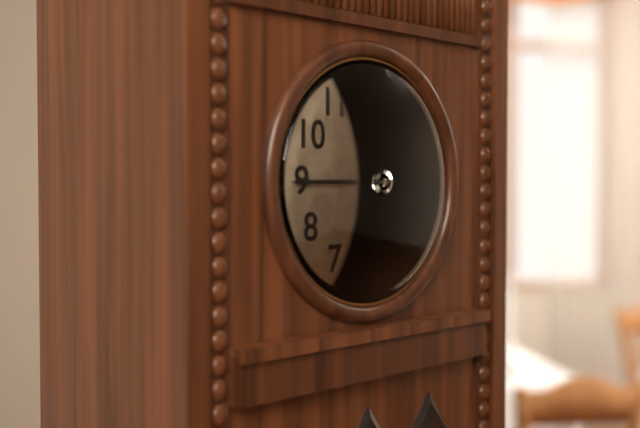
1:45
